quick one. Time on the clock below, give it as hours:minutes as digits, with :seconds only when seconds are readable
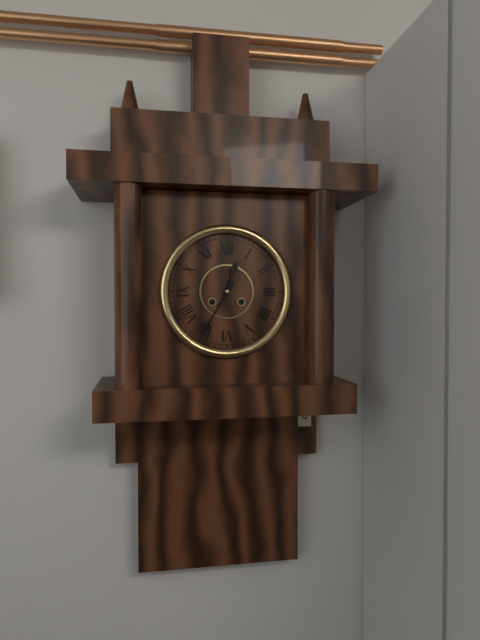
12:35
